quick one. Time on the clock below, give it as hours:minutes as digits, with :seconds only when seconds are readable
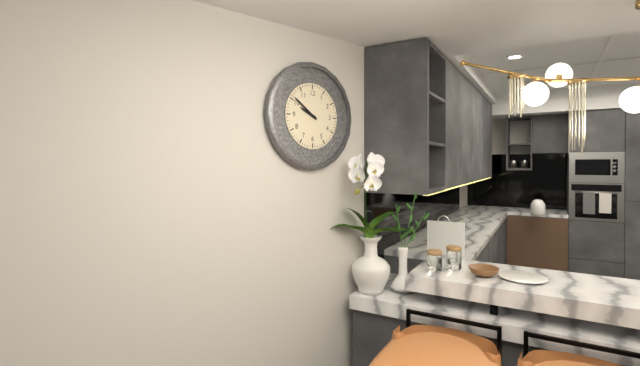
9:51
